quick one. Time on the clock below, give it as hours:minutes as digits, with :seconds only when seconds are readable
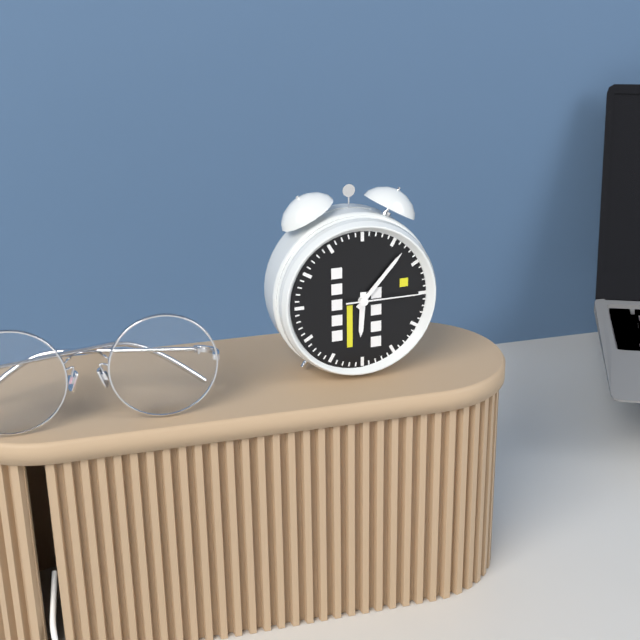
6:07:15
